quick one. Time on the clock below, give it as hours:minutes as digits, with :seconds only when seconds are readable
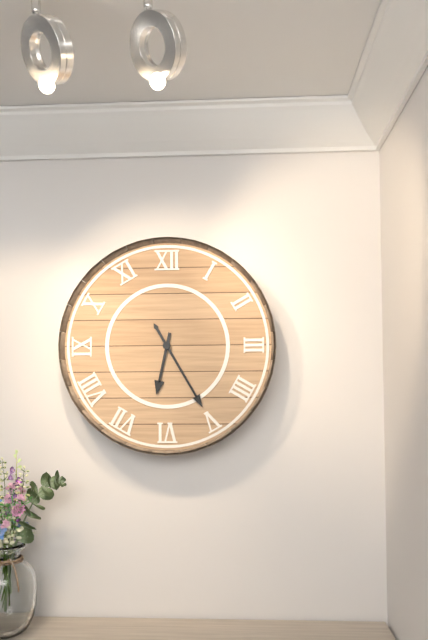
6:25
